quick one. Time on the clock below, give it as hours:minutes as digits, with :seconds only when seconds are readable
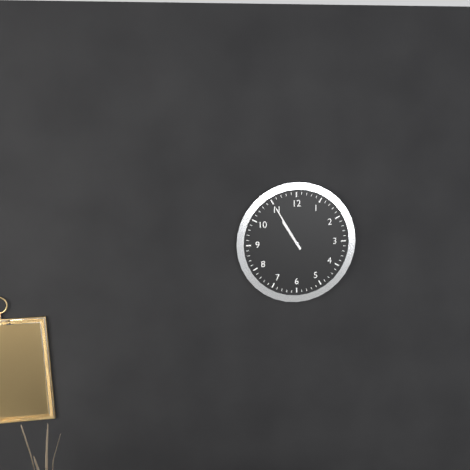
10:55
